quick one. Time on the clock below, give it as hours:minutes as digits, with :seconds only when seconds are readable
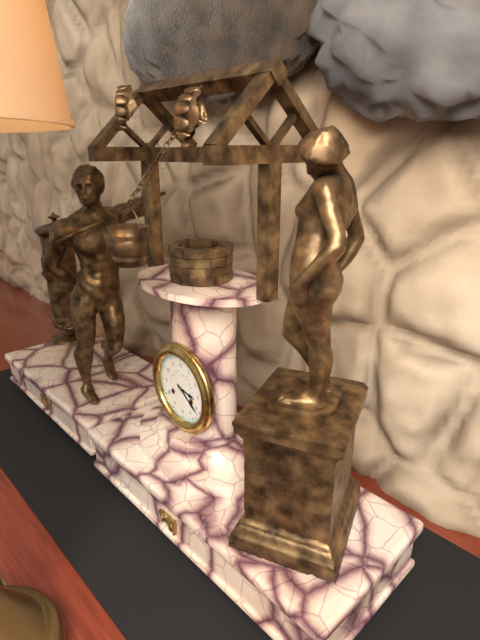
3:21
